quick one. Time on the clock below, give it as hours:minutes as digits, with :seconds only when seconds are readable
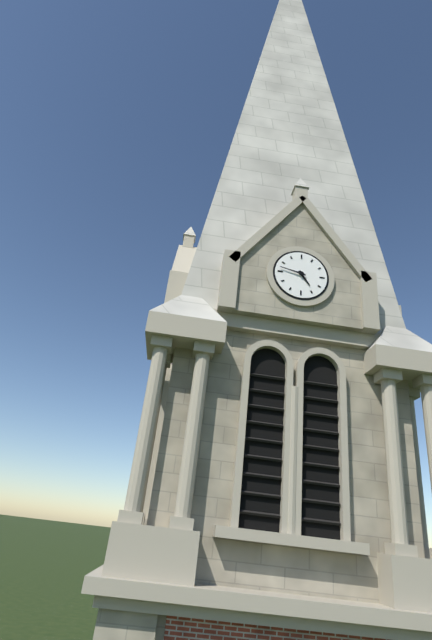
4:47
